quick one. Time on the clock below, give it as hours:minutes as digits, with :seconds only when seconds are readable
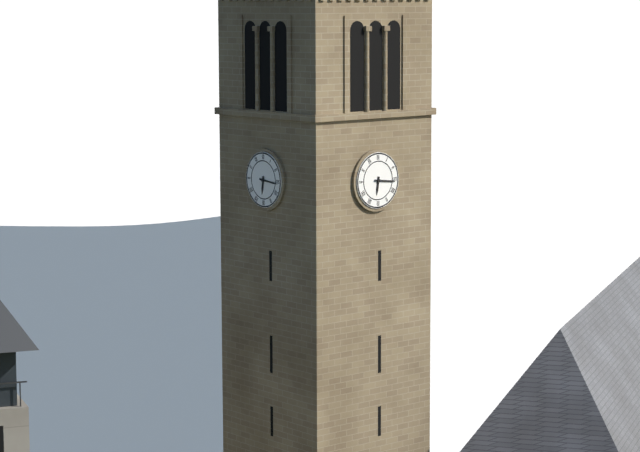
6:16
